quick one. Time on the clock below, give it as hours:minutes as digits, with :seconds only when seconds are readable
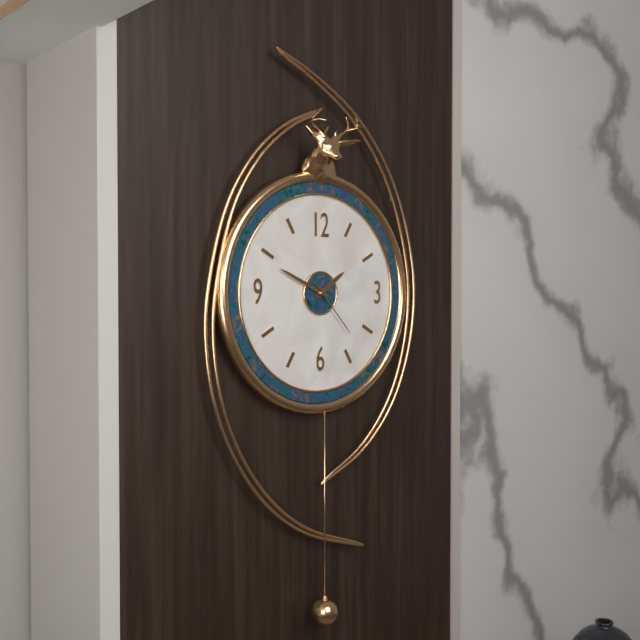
1:49:23
